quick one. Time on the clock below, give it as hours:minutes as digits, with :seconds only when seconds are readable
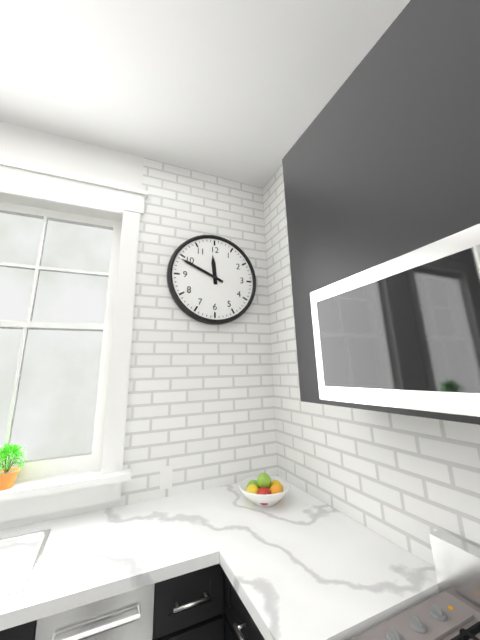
11:49
